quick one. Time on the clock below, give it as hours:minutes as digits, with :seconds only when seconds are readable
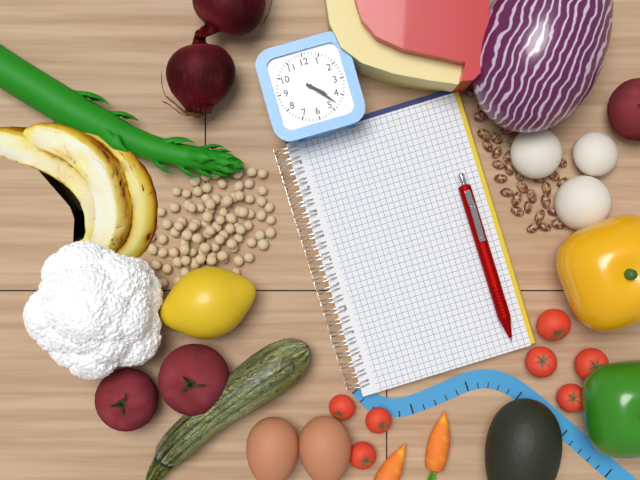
4:23
